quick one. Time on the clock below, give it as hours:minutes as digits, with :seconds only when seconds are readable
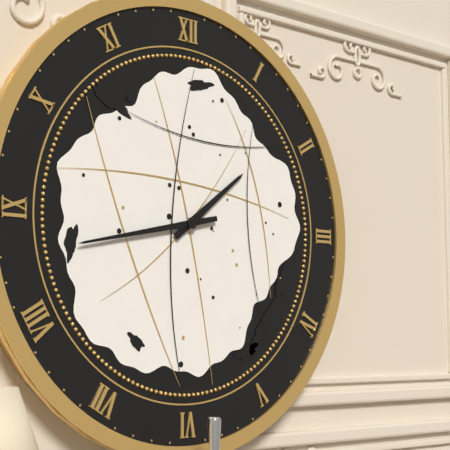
1:43
